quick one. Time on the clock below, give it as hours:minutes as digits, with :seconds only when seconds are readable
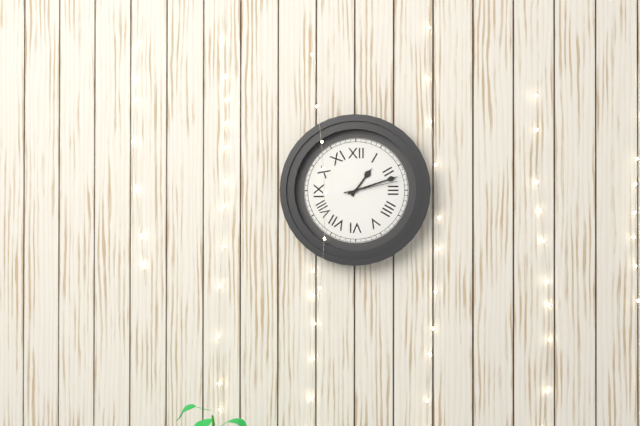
1:12:13
